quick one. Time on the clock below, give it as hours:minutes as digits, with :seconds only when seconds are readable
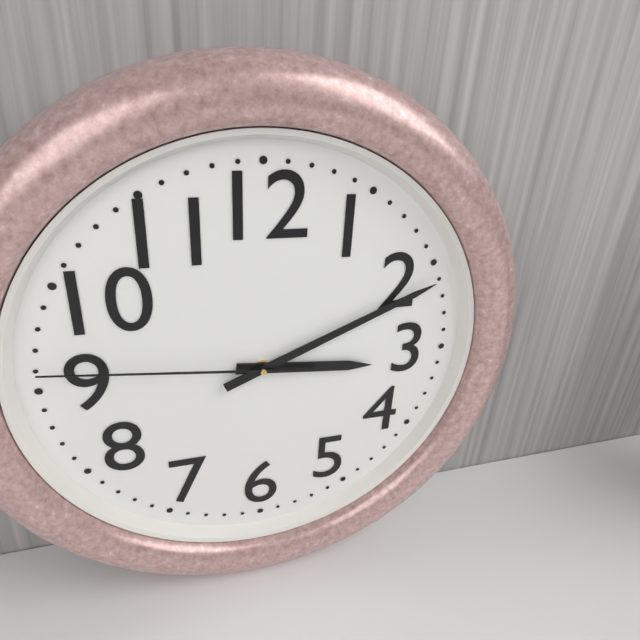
3:11:46
